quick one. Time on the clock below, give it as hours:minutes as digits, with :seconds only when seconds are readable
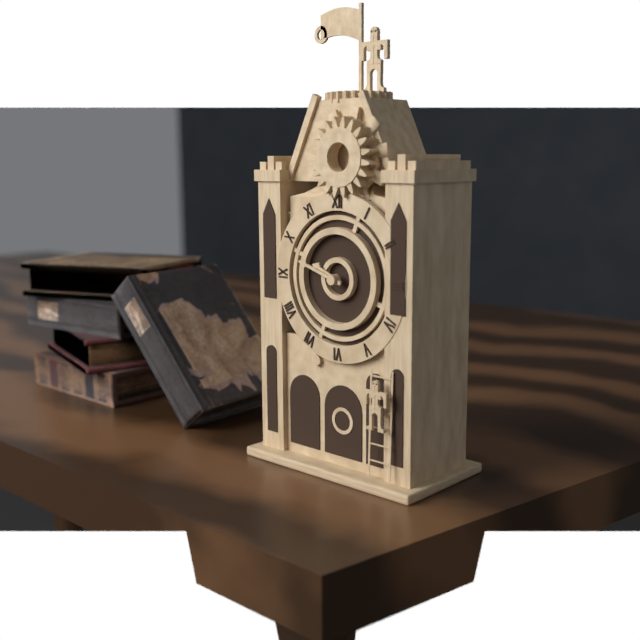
9:48
